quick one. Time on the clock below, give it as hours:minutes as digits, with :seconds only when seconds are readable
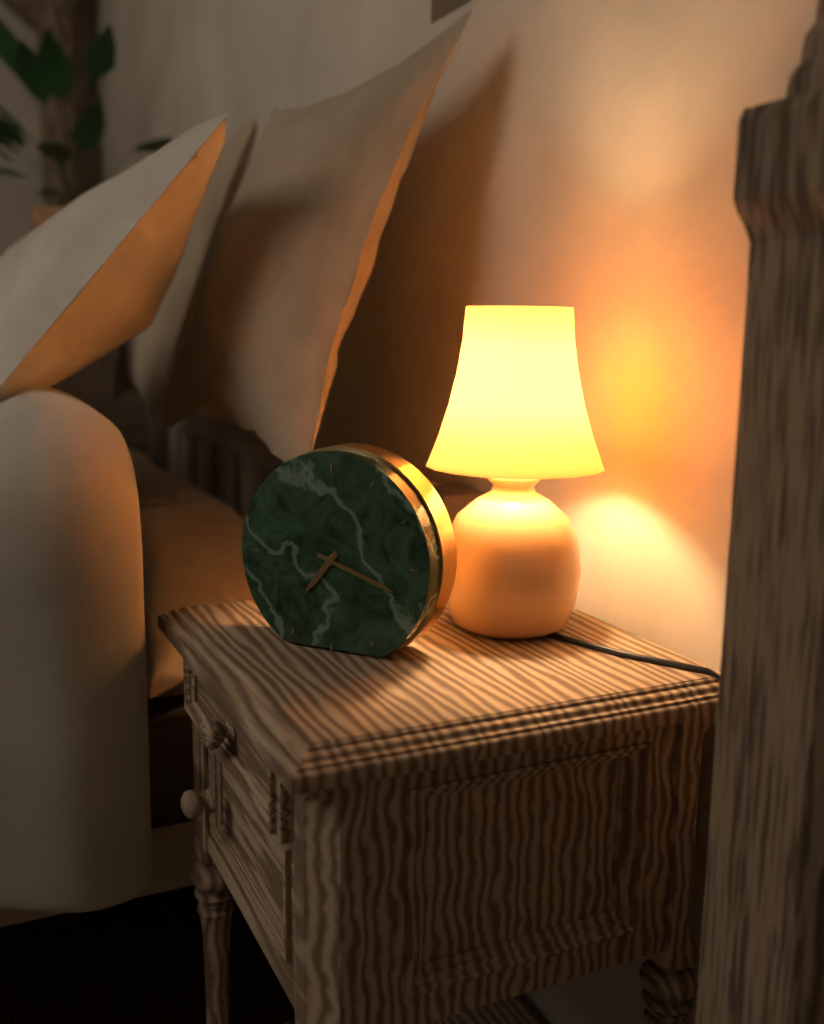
7:18
